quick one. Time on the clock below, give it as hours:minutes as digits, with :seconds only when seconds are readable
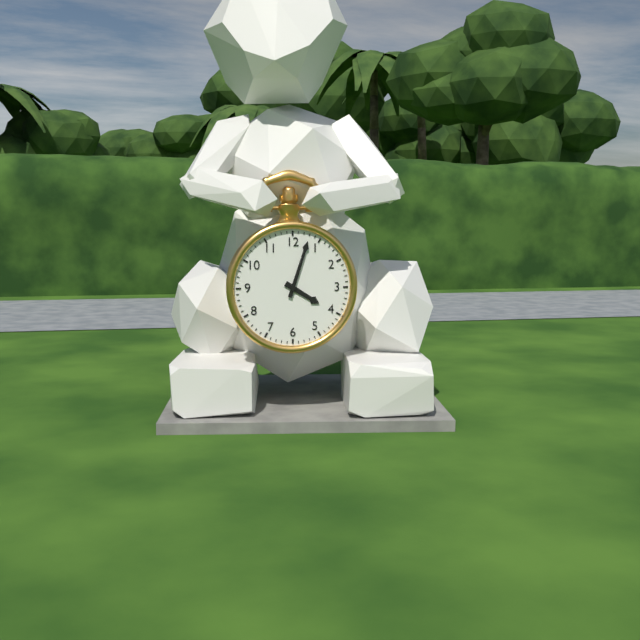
4:03
